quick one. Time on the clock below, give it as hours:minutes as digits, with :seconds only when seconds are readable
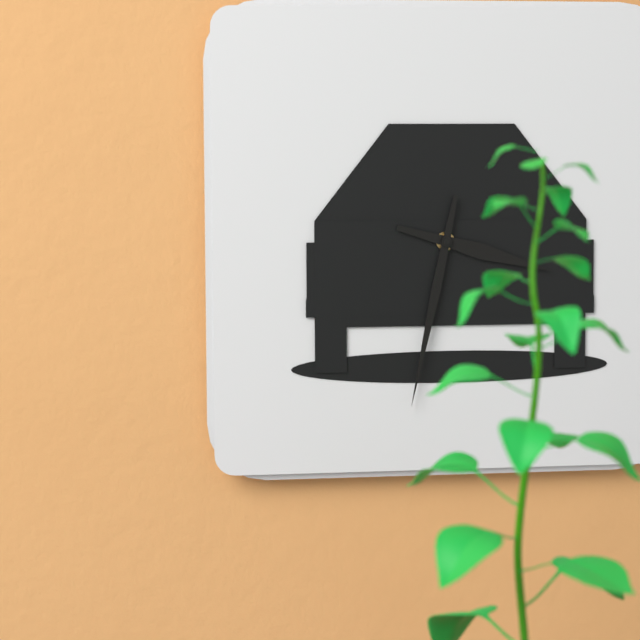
3:32
